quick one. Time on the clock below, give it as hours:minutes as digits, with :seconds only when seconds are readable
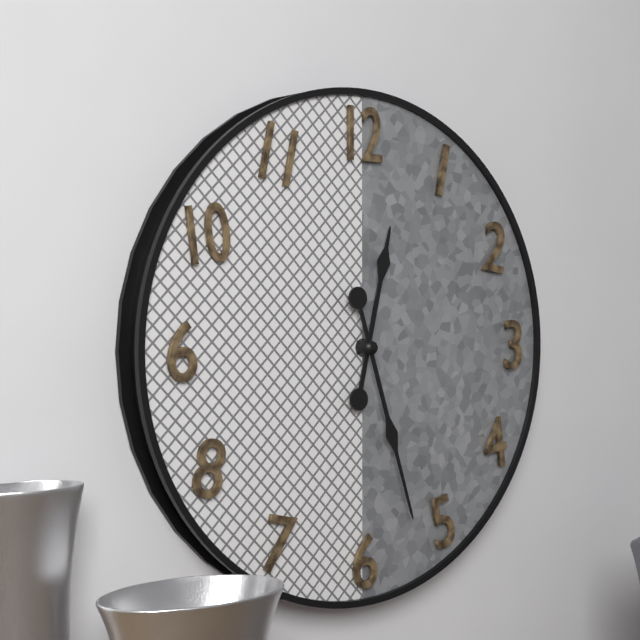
12:27
